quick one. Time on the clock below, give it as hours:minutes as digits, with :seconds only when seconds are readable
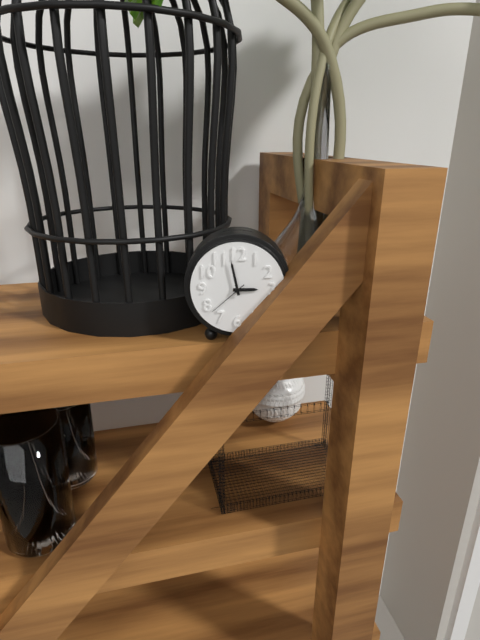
2:58
